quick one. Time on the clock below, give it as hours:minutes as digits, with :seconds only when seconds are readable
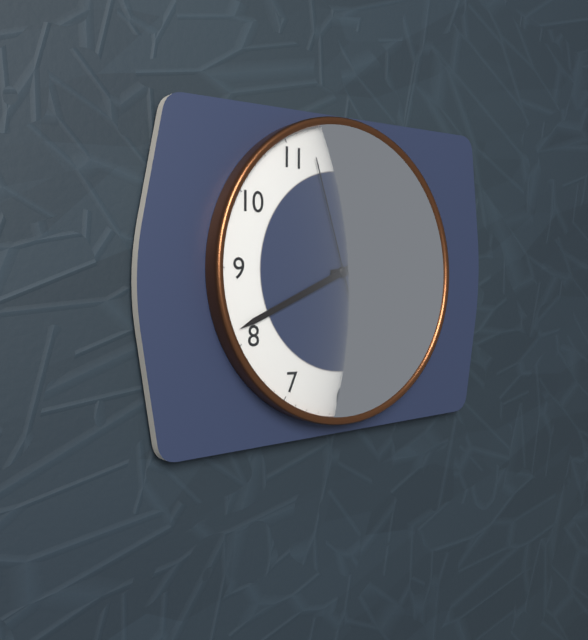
2:41:57
